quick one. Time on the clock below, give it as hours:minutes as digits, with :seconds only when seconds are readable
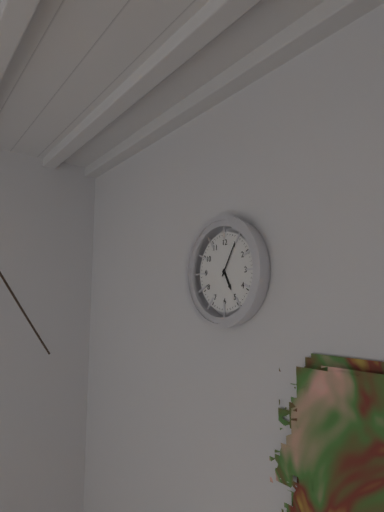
5:05
